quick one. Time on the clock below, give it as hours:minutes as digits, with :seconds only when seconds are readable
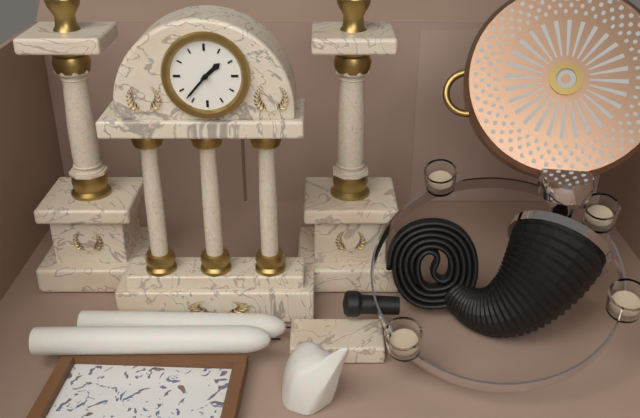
1:37
